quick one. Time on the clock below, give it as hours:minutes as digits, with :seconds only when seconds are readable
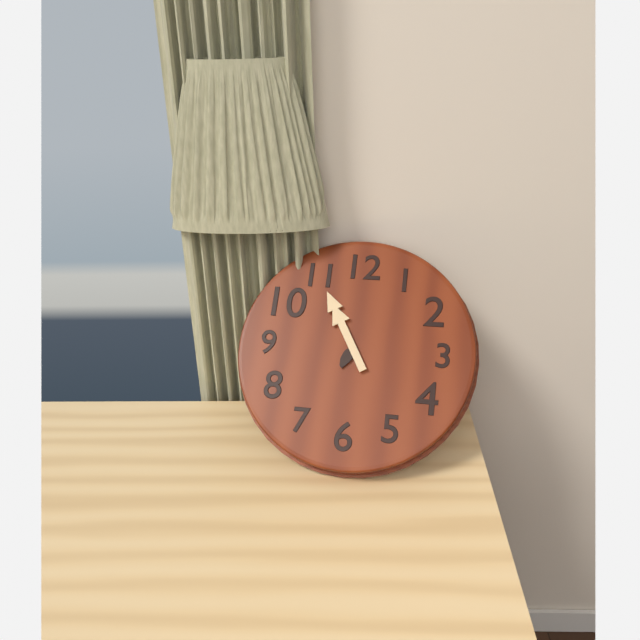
6:55
